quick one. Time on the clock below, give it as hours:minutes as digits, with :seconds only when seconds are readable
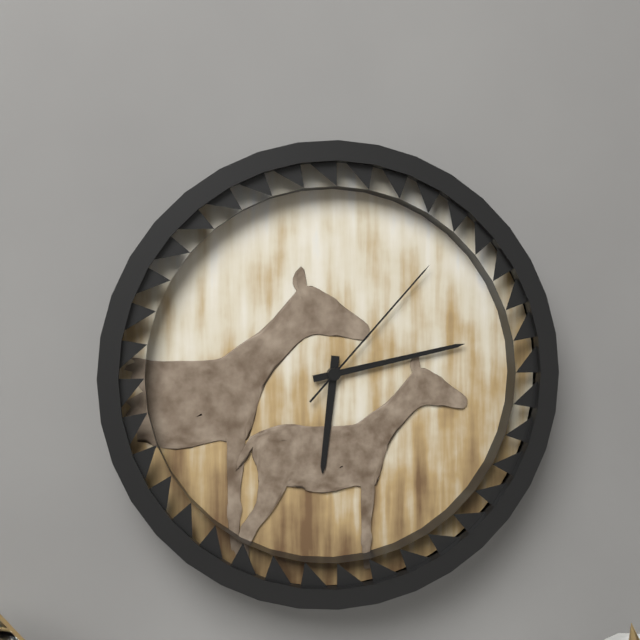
6:13:07
